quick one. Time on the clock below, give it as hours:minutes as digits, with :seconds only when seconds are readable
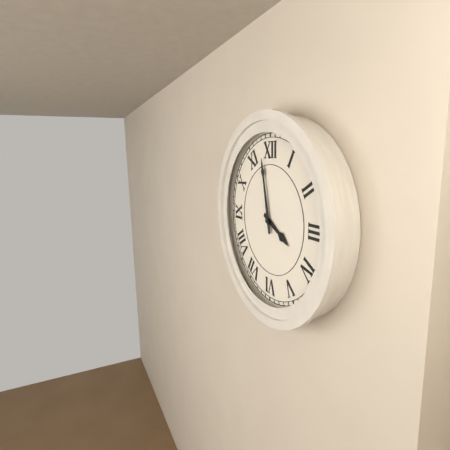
3:58
